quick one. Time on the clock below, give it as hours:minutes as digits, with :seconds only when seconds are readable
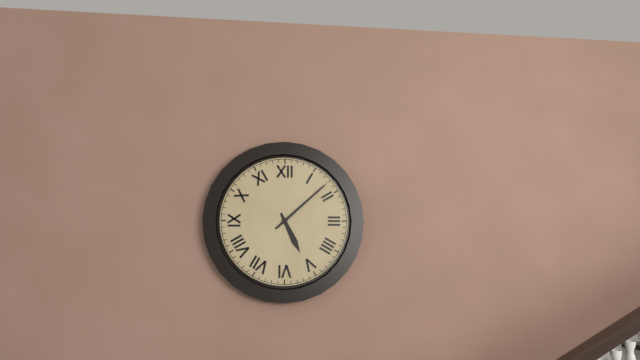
5:08
